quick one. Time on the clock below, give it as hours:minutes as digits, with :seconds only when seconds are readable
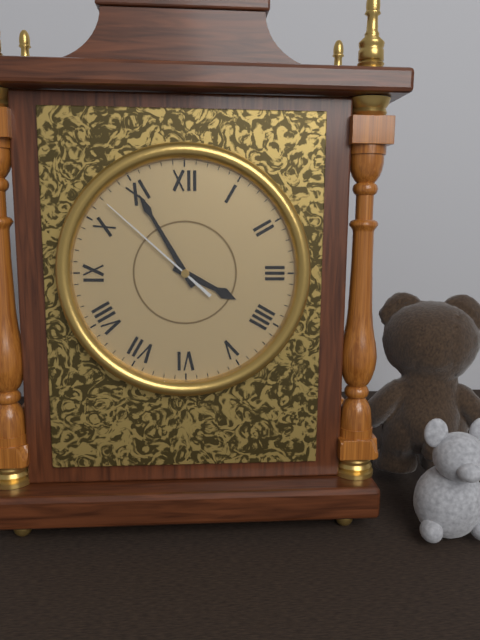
3:55:52
